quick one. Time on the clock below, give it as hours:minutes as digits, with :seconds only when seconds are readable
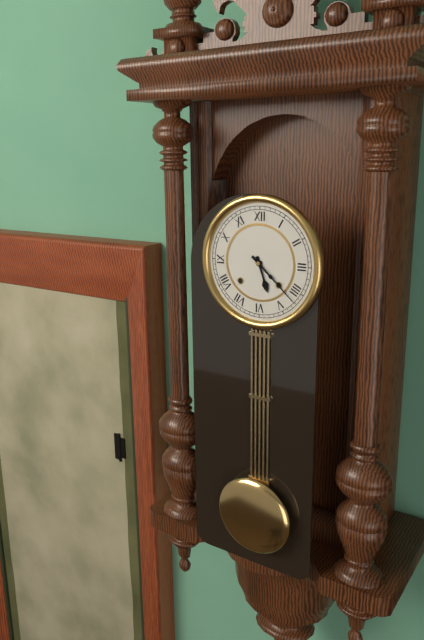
5:22
